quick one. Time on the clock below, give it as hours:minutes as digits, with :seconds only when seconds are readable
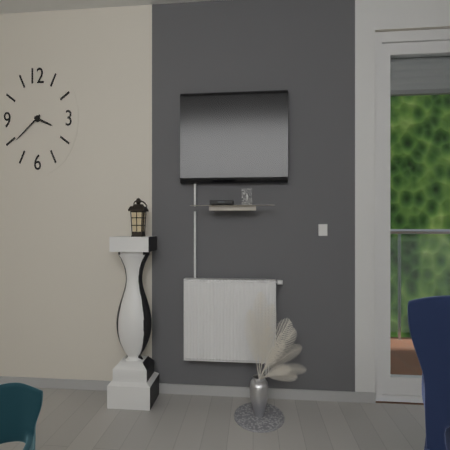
3:39
